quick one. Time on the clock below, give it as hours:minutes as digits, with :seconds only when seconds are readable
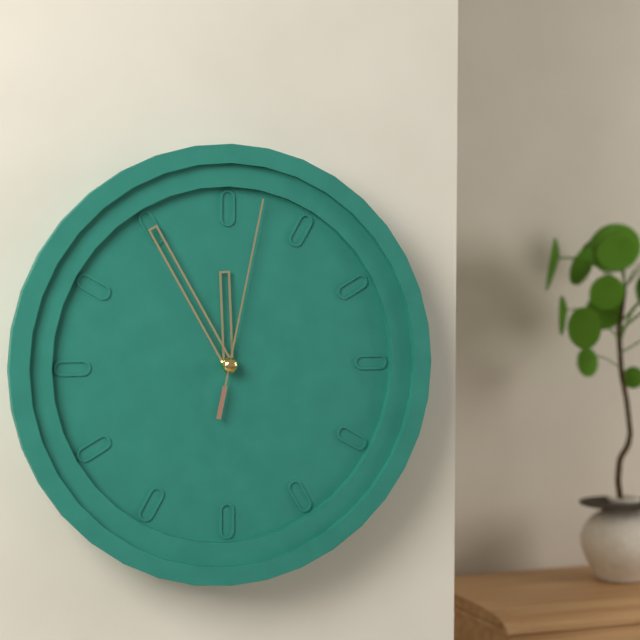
11:55:02
